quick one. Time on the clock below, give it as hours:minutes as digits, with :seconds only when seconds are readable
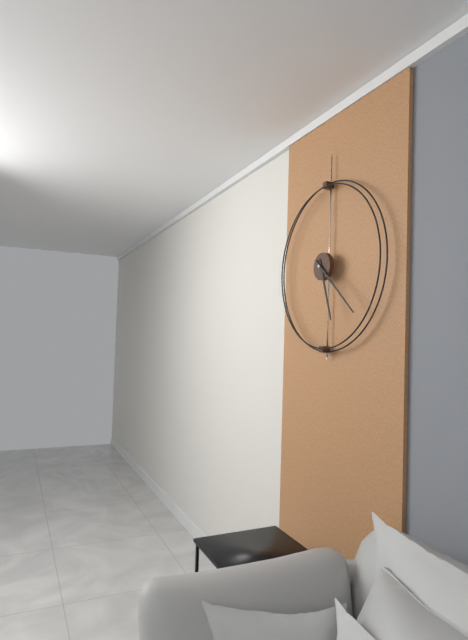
5:22
